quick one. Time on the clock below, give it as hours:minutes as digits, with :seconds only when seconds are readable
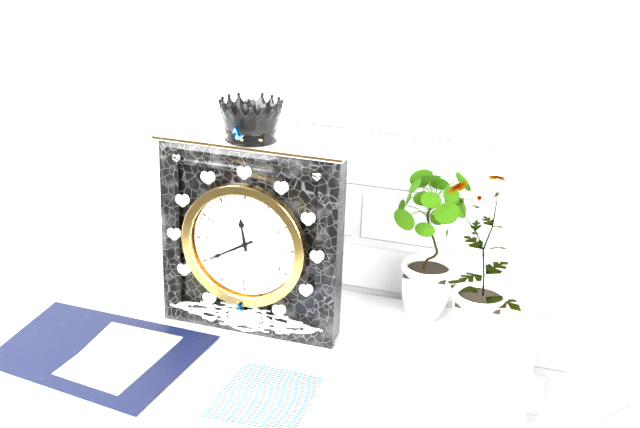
11:40
